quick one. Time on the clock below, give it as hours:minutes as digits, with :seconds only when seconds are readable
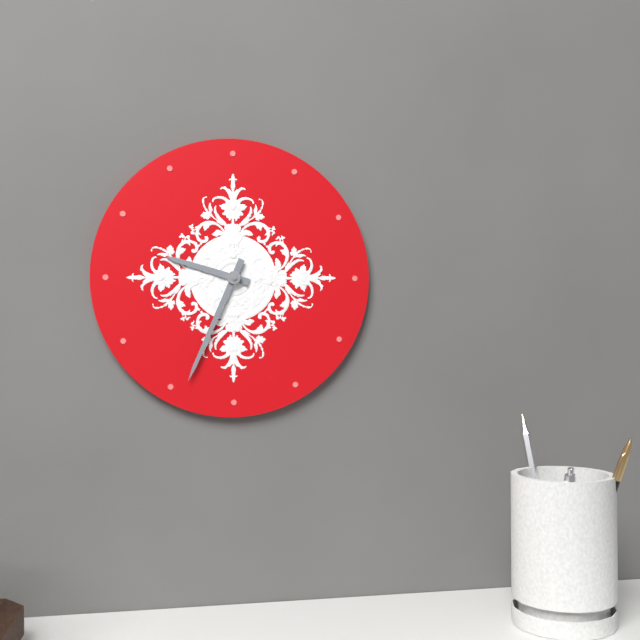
9:34
